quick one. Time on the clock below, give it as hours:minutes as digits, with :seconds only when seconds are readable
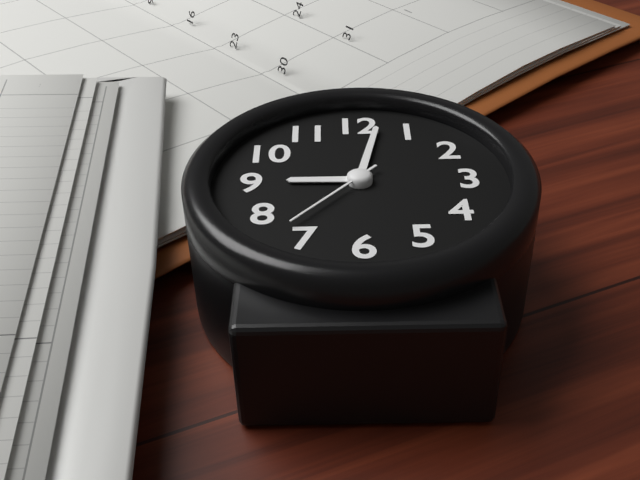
9:02:37
